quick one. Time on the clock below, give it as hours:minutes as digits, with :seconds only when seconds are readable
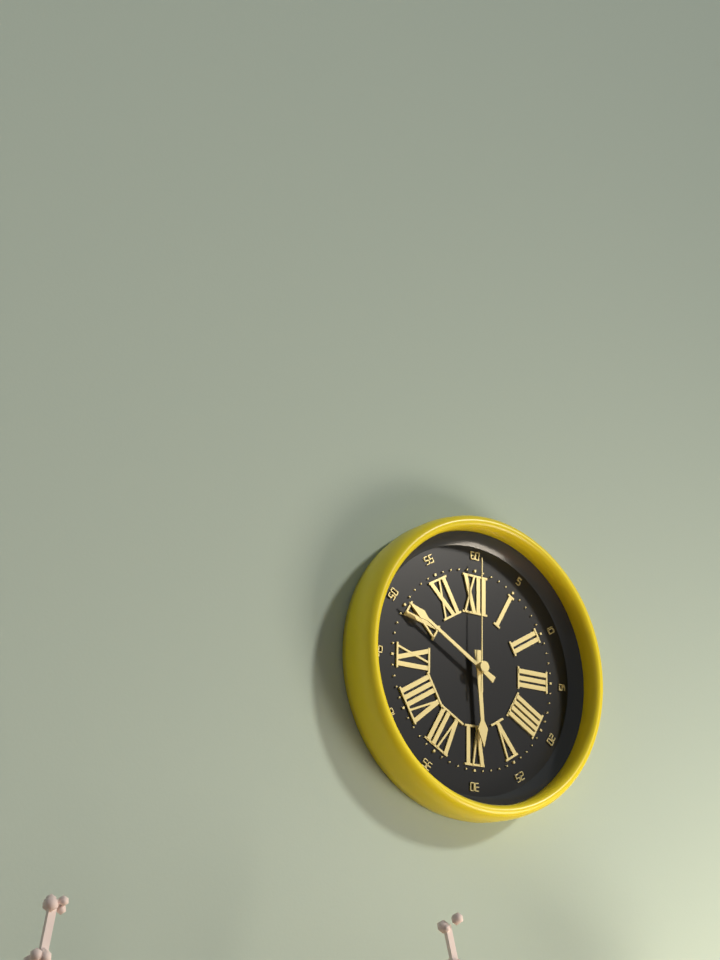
5:50:00
